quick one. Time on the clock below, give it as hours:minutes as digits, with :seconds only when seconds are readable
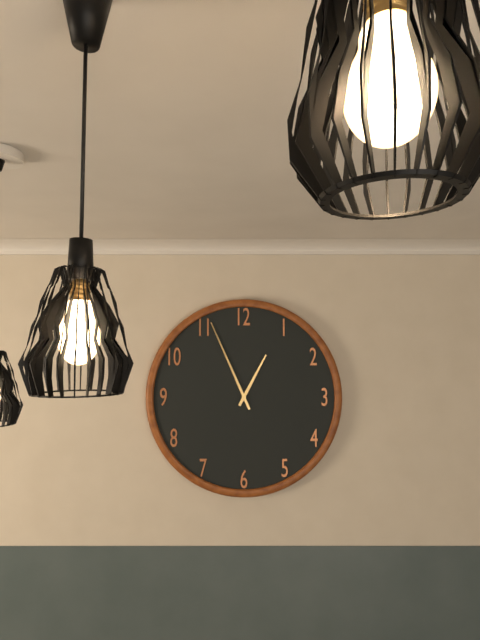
12:56
